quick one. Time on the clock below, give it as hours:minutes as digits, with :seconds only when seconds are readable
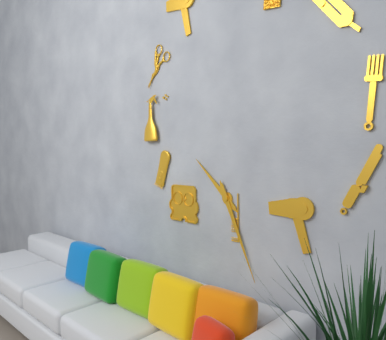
10:26
